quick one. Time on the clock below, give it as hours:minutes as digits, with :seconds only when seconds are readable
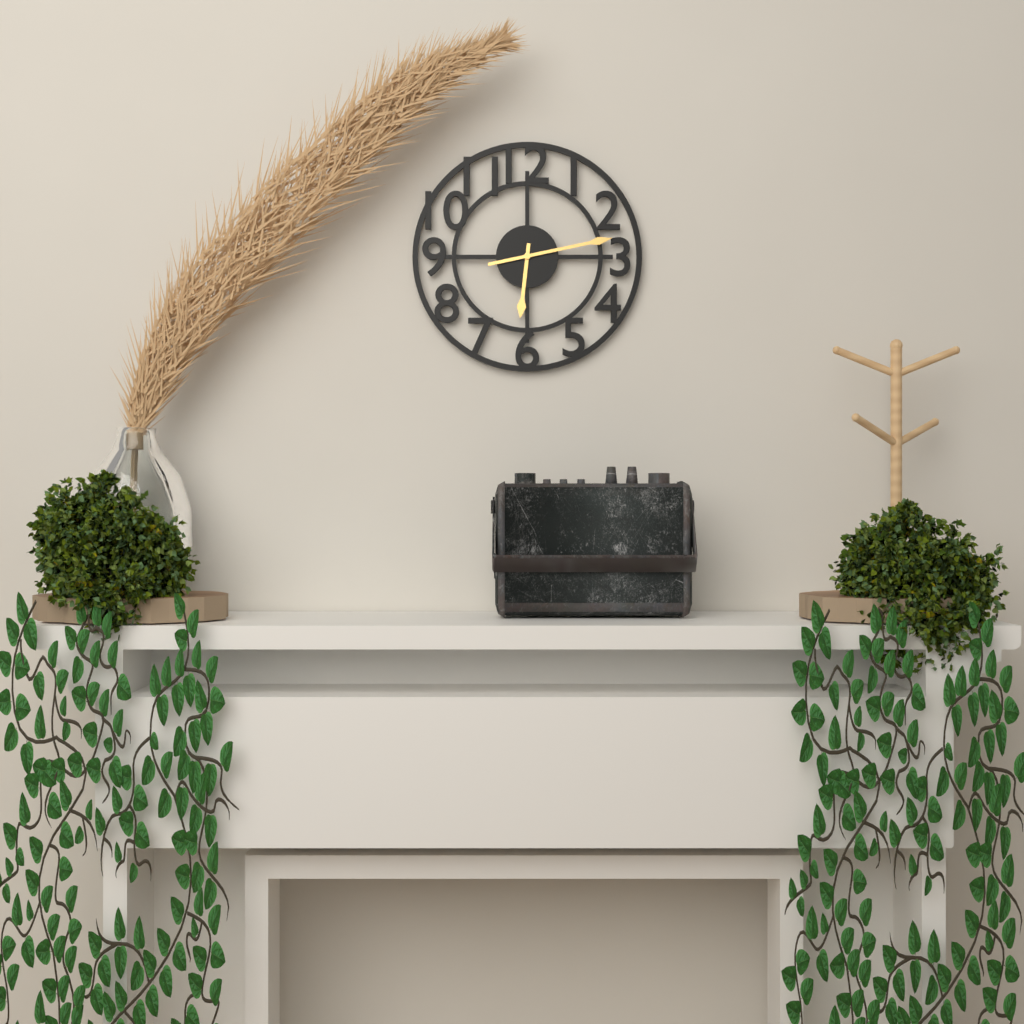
6:13
